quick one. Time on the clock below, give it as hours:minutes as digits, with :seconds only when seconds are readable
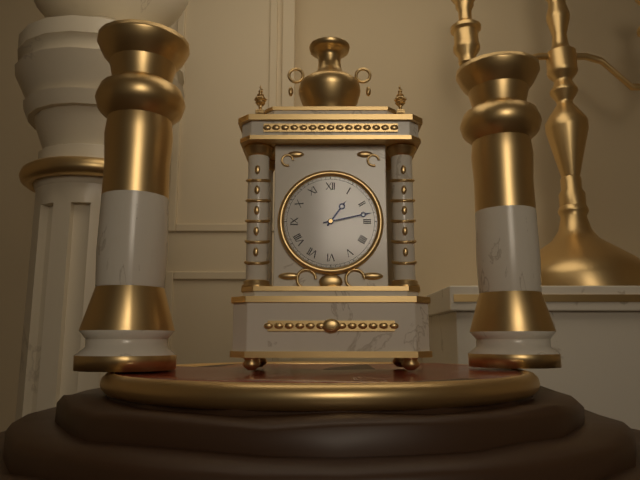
1:13
